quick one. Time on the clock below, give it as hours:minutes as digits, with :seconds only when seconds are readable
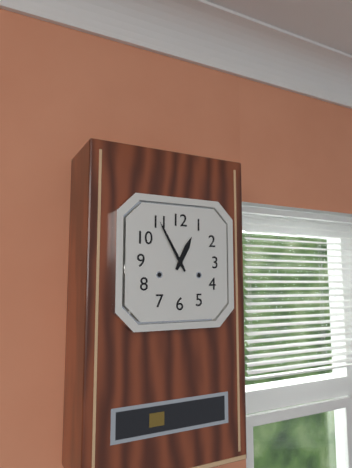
12:55
